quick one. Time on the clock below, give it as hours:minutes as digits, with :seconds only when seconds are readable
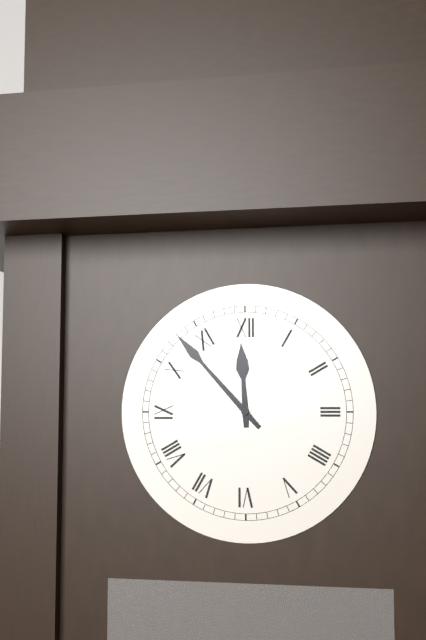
11:53
